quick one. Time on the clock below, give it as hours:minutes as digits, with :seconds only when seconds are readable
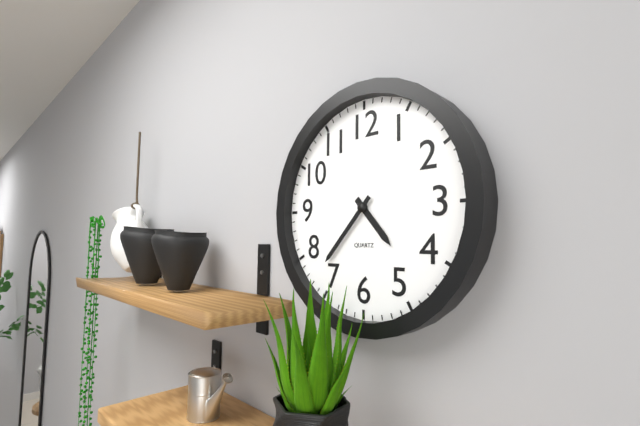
4:37
